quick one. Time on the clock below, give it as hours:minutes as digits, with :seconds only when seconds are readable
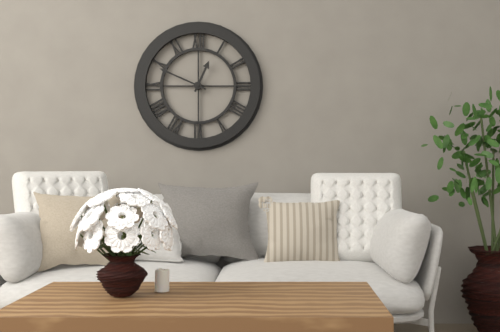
12:49
